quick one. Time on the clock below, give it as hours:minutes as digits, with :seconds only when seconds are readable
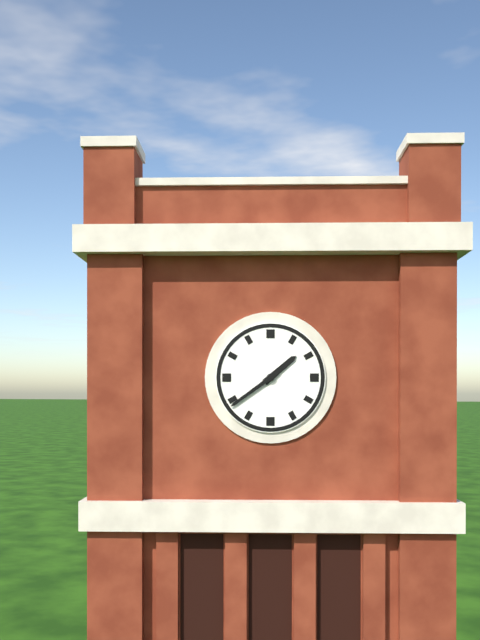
1:39
